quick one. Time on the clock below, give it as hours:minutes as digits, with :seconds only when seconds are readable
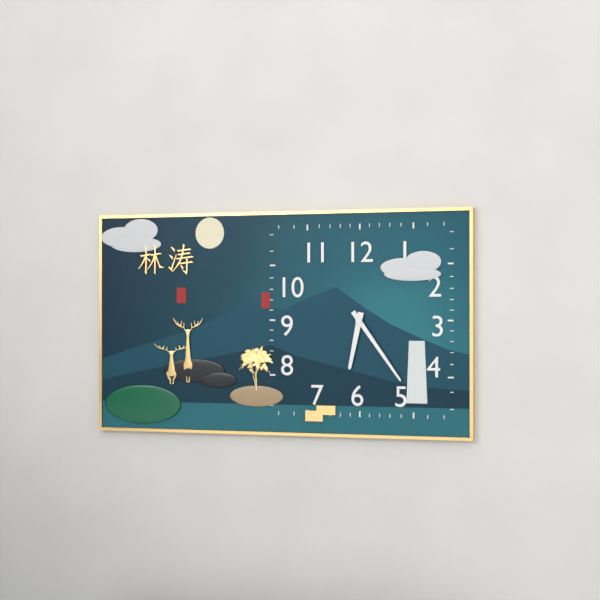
6:24
